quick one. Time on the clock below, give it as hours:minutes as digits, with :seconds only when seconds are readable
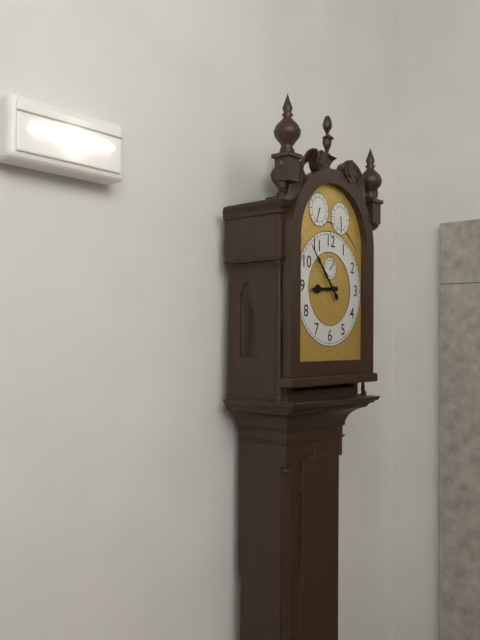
8:53
